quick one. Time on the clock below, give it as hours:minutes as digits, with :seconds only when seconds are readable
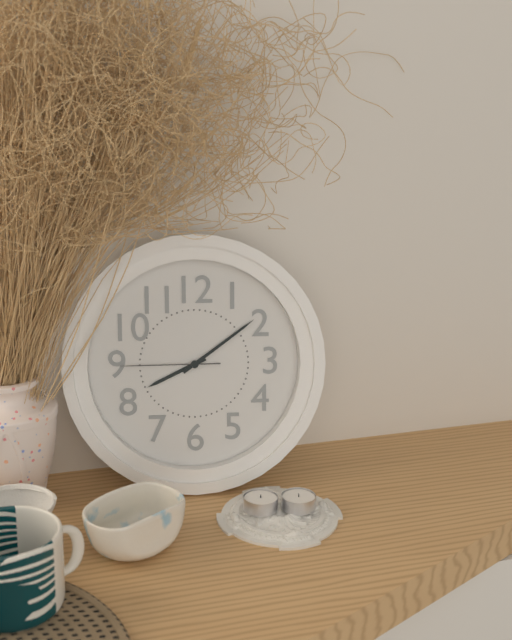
8:09:45
